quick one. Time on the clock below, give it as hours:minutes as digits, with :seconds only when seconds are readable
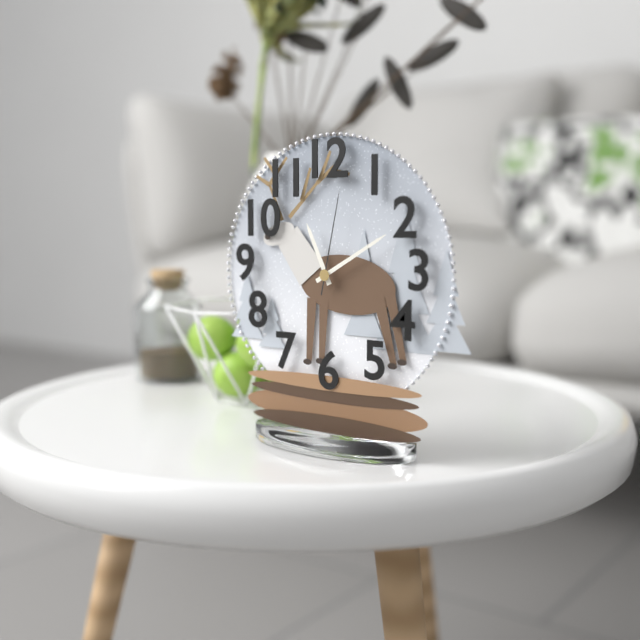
11:10:02
